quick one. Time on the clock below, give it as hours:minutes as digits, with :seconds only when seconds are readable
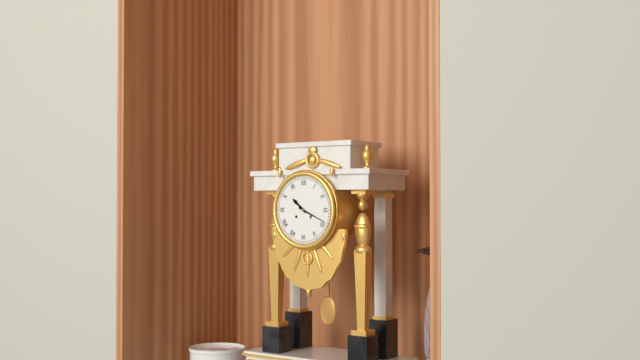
10:19
